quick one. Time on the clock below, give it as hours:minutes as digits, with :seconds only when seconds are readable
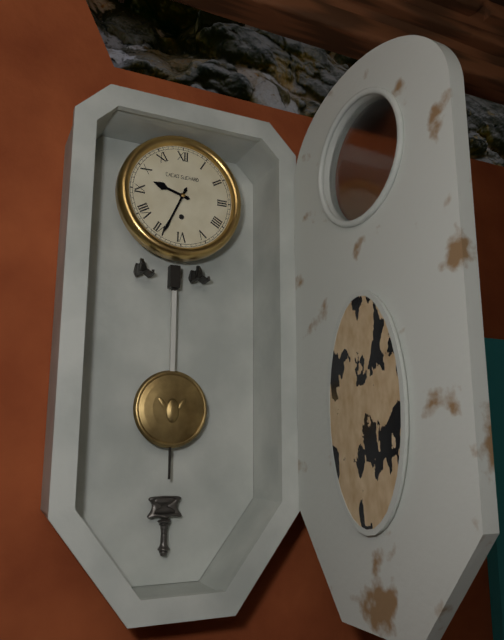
9:34
